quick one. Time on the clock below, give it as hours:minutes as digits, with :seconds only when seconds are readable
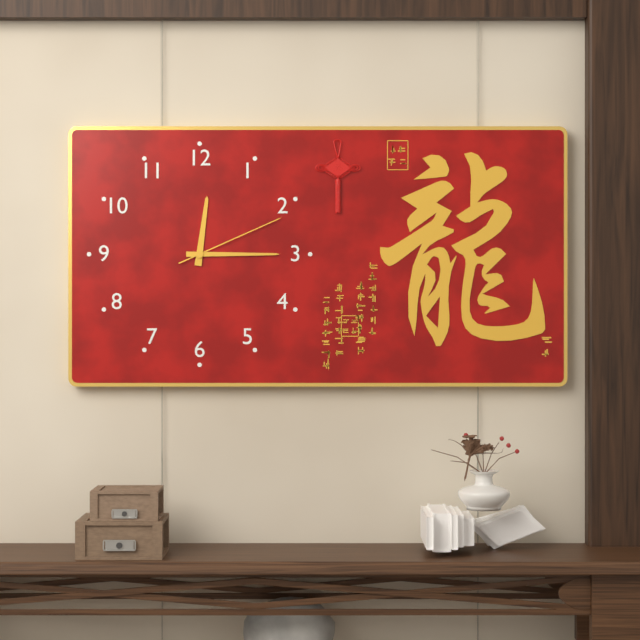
12:15:11
